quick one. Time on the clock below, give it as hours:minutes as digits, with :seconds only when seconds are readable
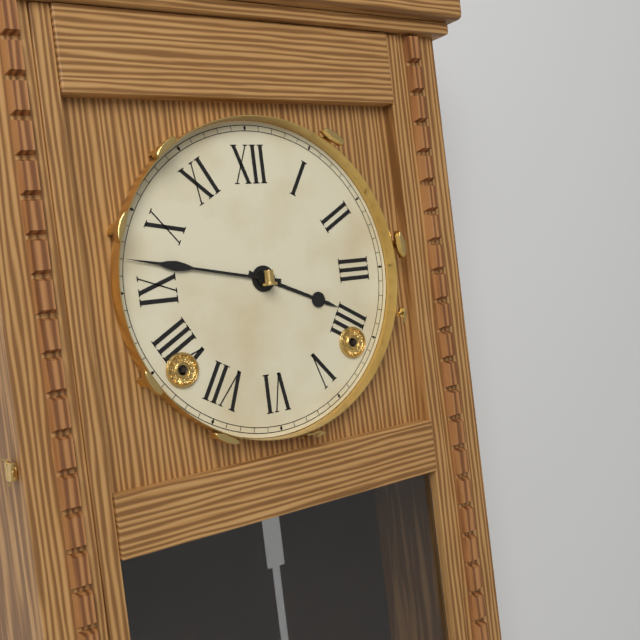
3:47
